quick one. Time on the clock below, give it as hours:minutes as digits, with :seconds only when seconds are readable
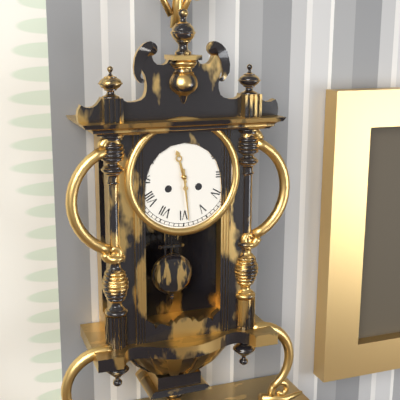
11:29
